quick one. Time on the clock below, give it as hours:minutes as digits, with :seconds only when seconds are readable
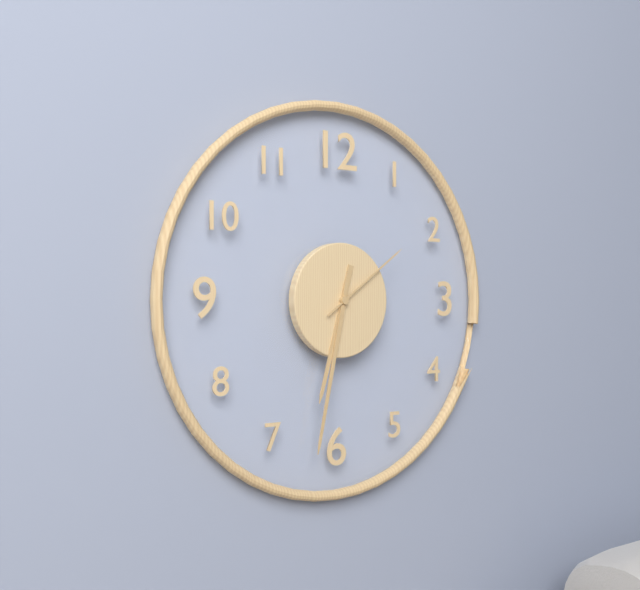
6:32:09
